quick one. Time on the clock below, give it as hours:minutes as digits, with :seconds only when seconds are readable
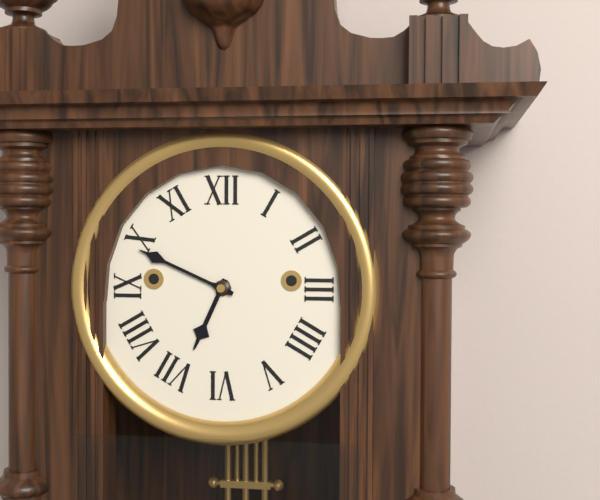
6:49
